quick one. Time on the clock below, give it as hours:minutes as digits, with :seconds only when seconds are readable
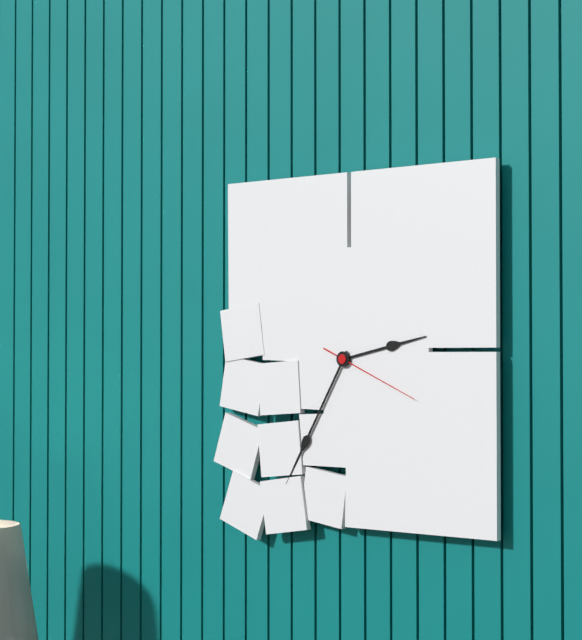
2:35:19
